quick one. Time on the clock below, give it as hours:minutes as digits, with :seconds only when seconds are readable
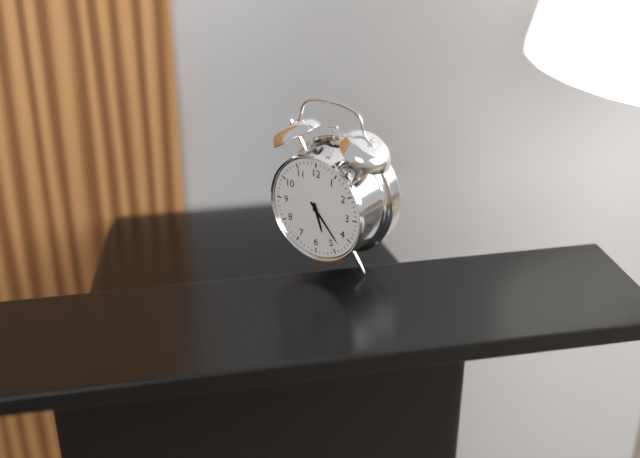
5:23
